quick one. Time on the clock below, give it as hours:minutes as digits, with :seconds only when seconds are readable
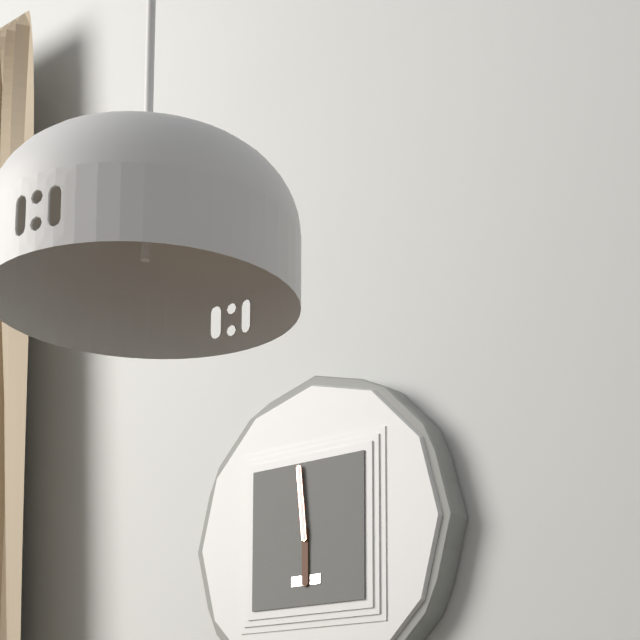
5:59
